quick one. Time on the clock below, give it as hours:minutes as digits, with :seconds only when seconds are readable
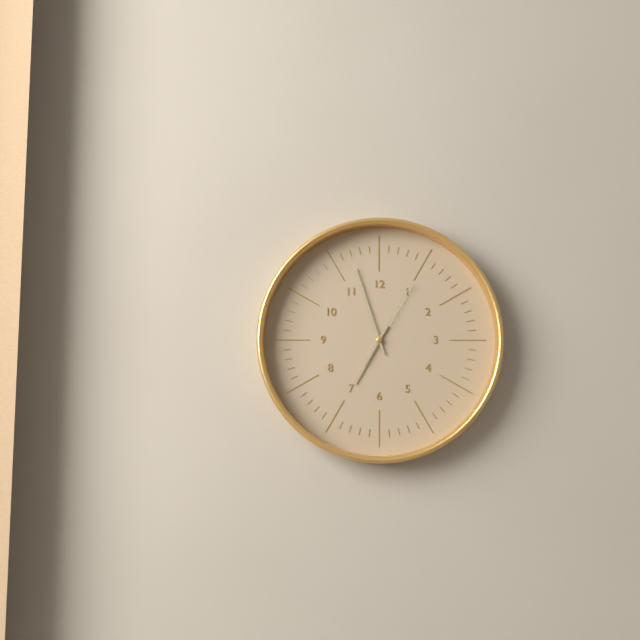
6:57:05
